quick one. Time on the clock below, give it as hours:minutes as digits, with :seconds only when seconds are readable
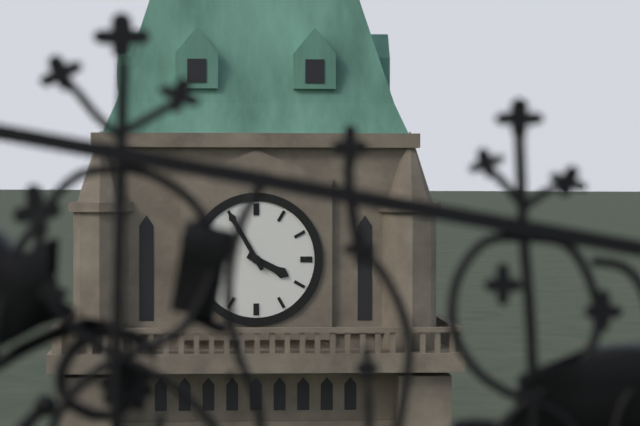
3:55
